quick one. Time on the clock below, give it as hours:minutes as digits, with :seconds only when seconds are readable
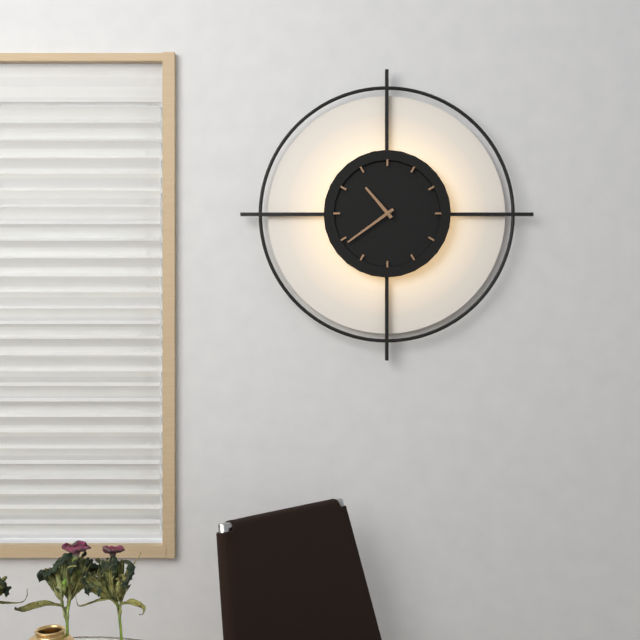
10:39
